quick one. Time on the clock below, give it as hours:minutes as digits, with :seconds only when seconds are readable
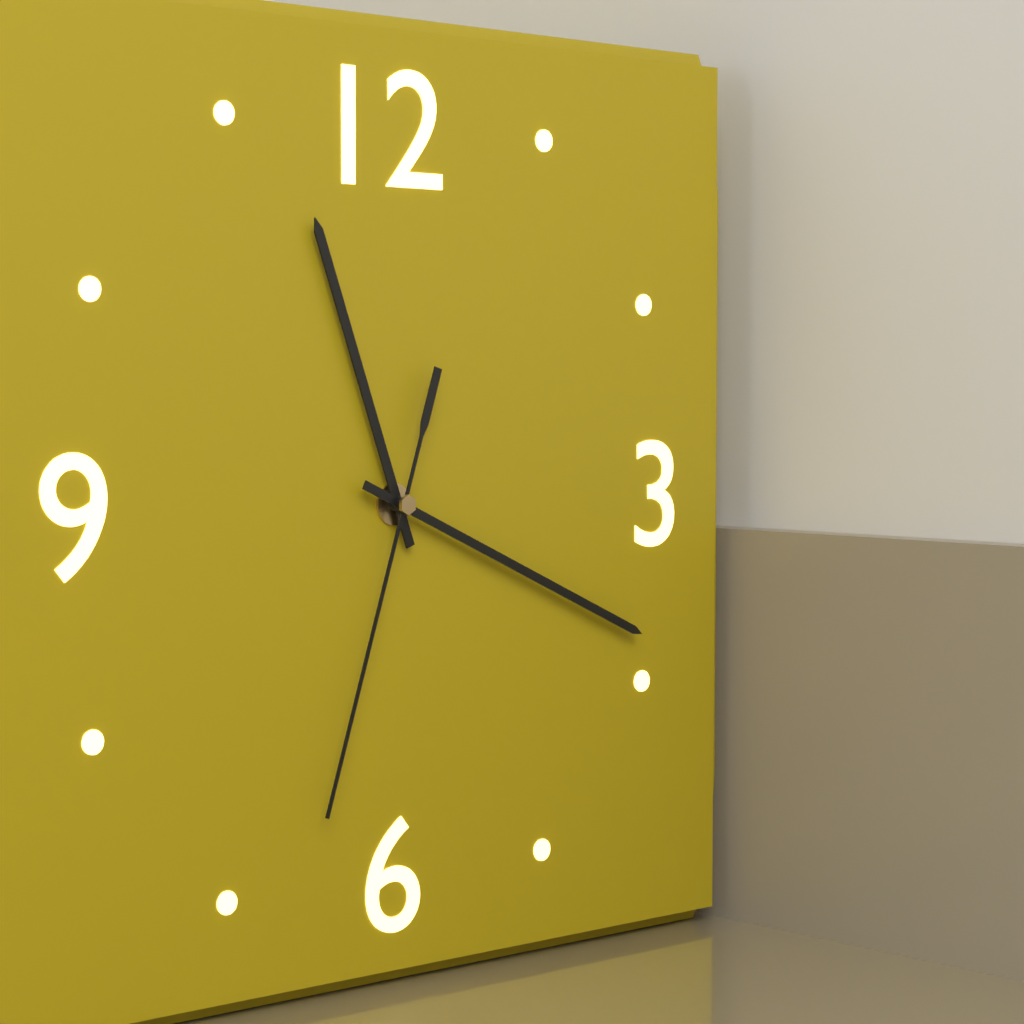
11:19:33
